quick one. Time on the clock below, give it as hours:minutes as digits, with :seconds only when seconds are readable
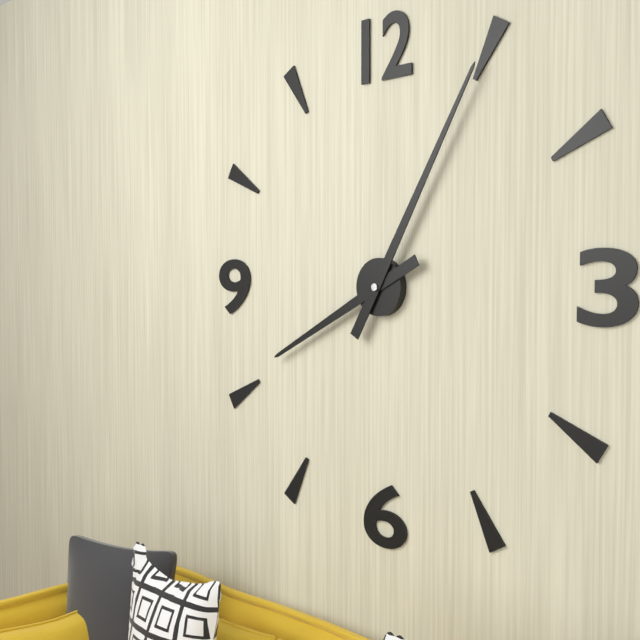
8:05
